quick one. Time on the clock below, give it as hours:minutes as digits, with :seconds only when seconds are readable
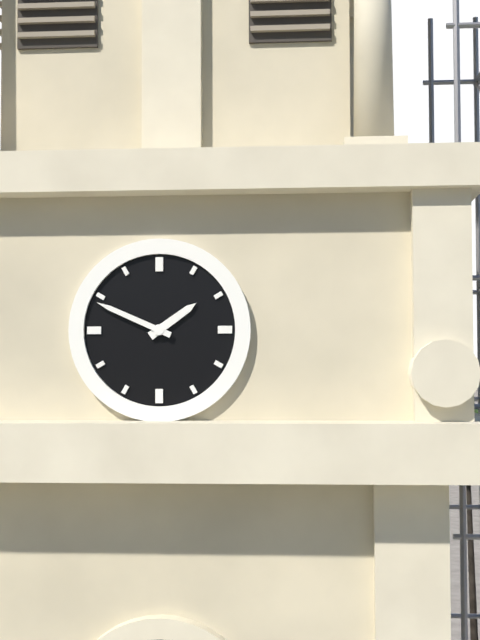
1:49
